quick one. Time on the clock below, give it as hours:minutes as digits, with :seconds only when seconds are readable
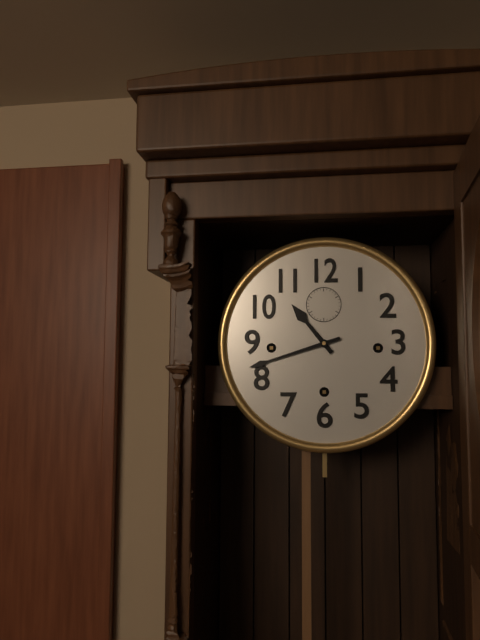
10:42
